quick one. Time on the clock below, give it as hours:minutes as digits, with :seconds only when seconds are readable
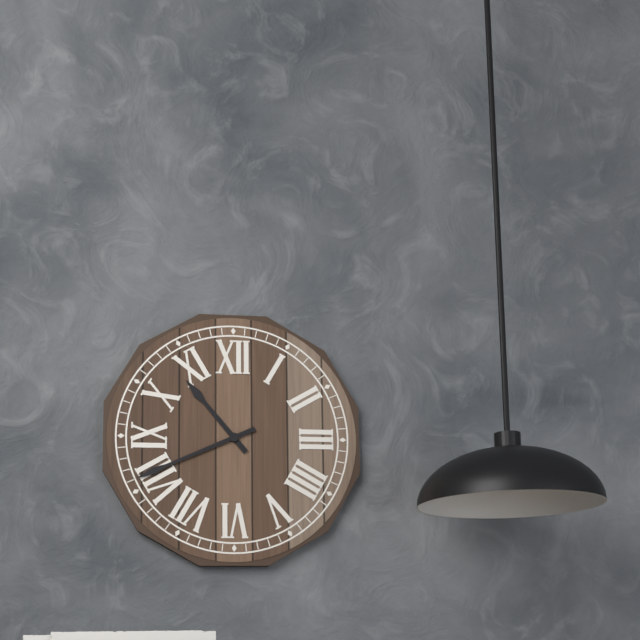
10:41
